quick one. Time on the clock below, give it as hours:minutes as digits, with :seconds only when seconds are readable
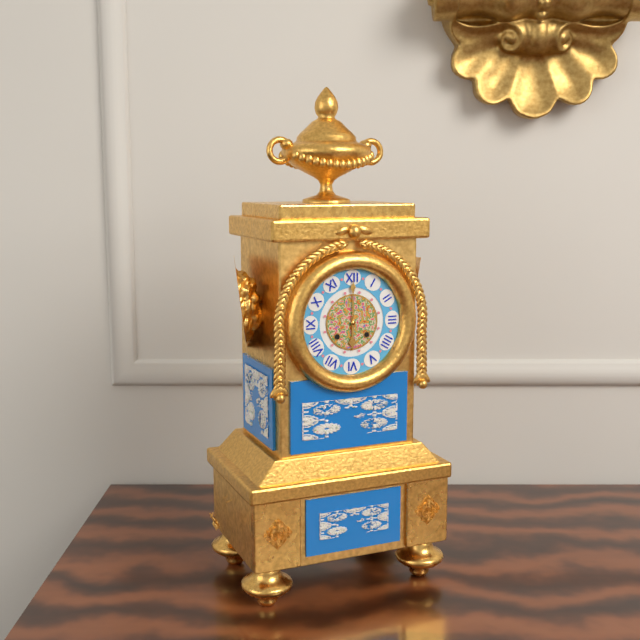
6:00
